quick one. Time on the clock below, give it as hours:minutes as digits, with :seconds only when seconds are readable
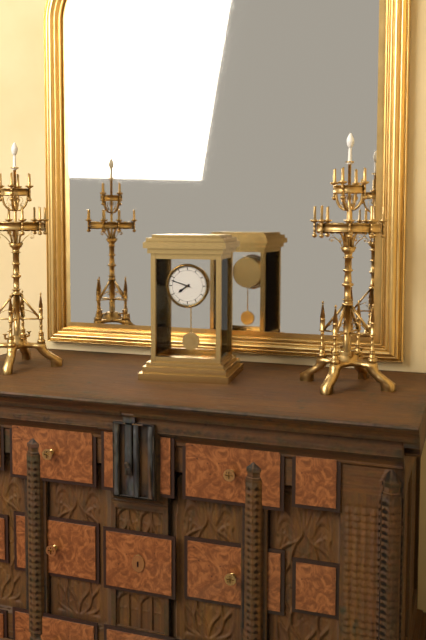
7:48
